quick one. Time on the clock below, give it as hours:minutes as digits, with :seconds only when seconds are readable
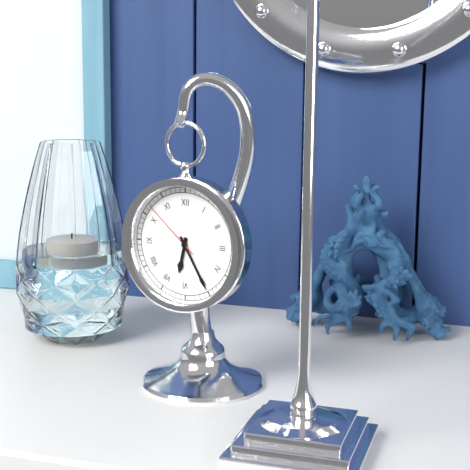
6:25:52
